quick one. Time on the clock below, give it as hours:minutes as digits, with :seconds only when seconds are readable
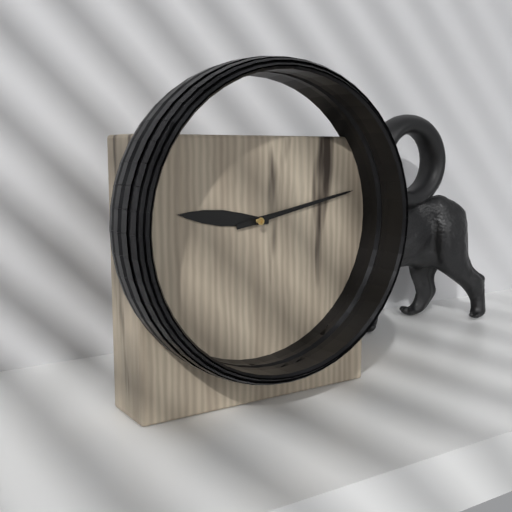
9:13
